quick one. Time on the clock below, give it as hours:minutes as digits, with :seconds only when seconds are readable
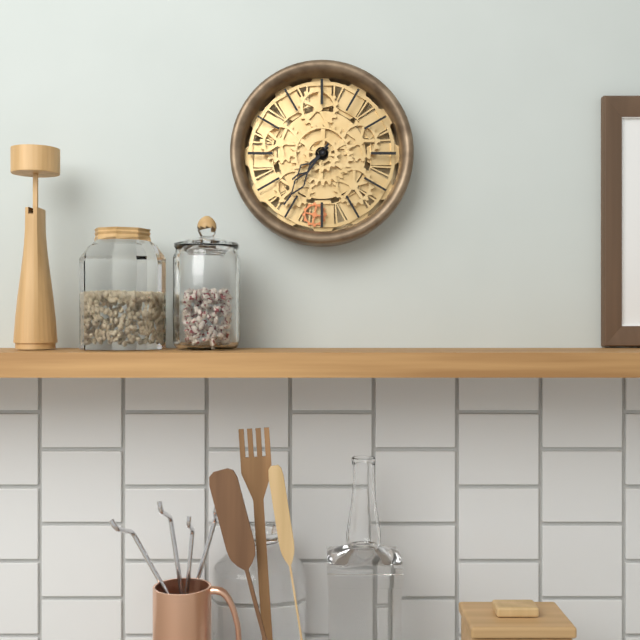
7:36
